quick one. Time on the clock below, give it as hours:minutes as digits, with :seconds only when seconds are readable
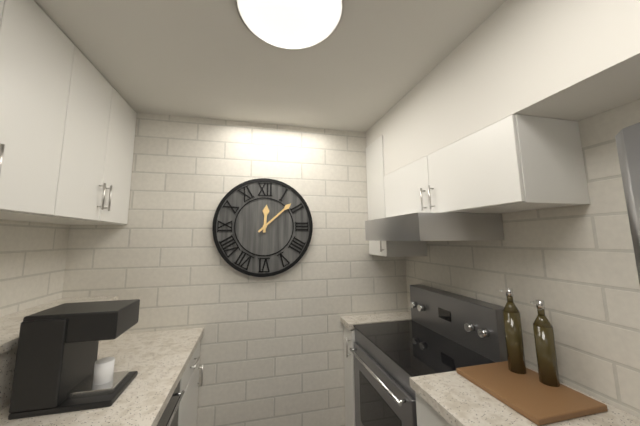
12:08
